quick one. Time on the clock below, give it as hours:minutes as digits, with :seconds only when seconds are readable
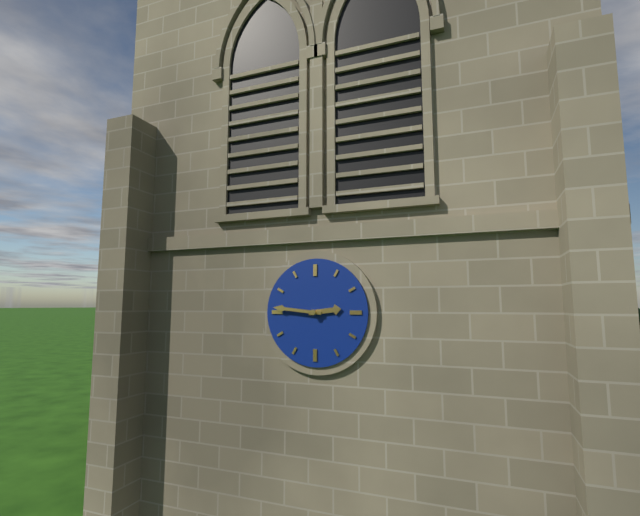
2:46
